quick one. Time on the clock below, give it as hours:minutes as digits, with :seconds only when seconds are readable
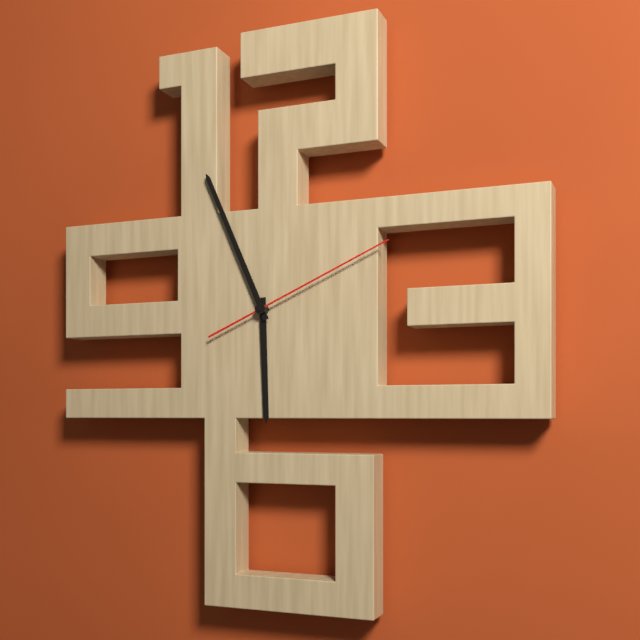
5:56:11
